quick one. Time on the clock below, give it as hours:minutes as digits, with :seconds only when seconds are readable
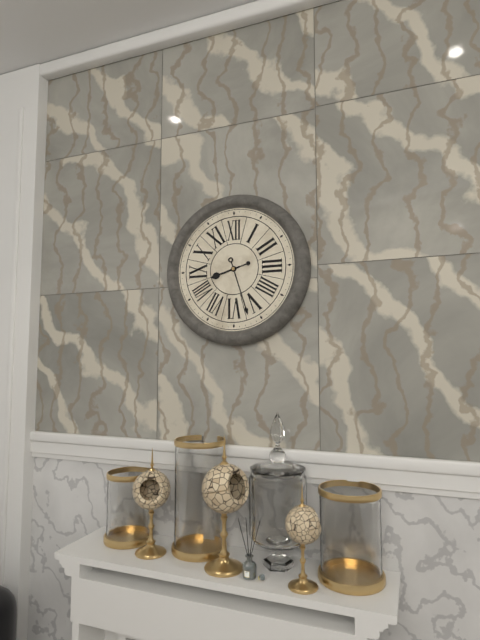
8:27
